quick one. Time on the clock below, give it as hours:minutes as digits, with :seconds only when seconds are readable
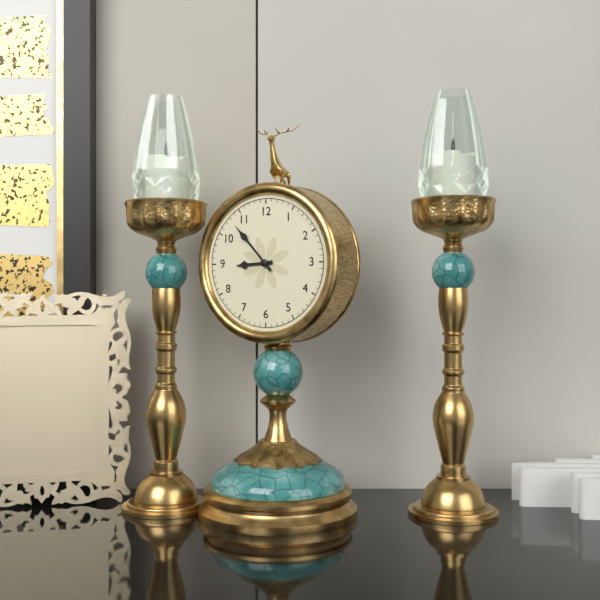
8:53
